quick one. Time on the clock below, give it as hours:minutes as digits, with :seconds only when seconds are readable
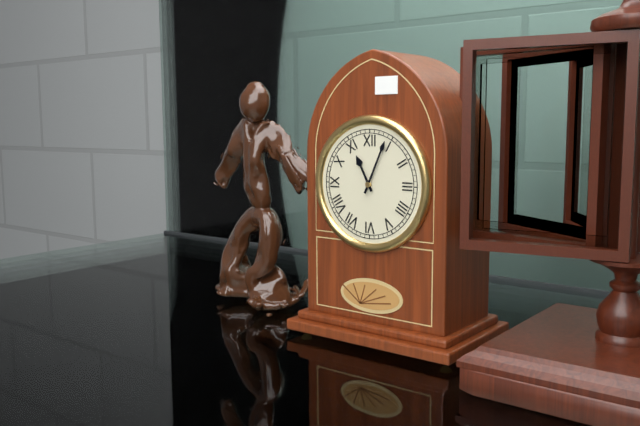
11:04
